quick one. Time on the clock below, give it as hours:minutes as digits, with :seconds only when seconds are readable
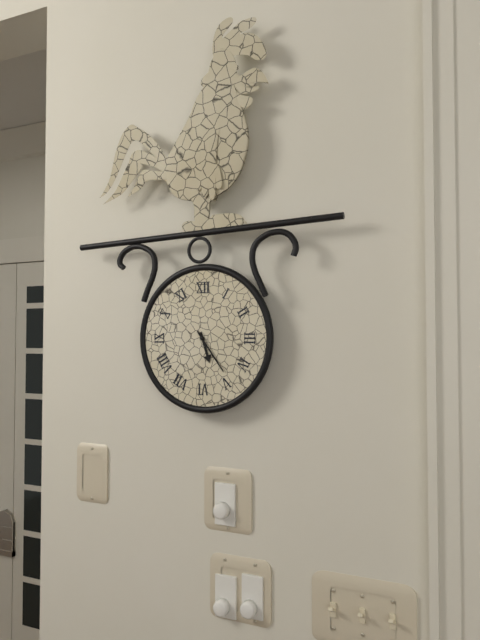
5:24
